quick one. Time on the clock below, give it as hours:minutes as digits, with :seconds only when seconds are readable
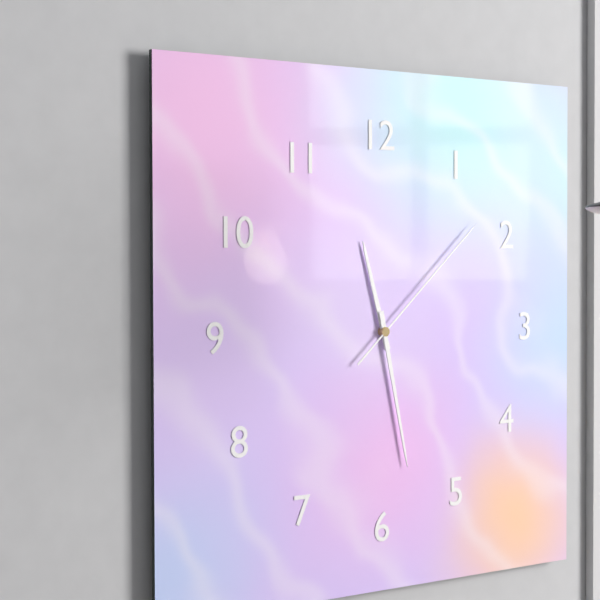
11:28:08
